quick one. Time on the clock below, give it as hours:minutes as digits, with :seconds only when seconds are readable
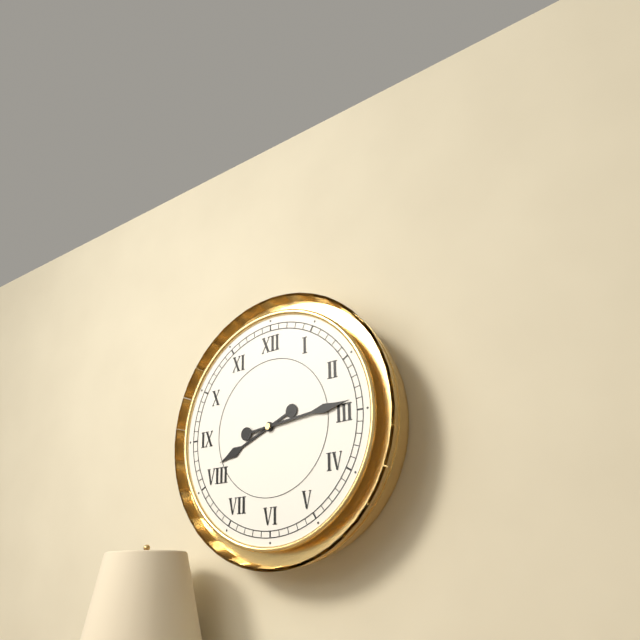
8:14
